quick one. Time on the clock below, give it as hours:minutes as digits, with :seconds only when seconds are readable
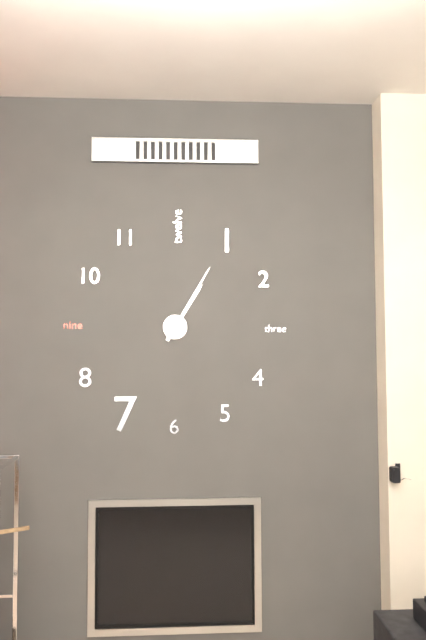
1:05
